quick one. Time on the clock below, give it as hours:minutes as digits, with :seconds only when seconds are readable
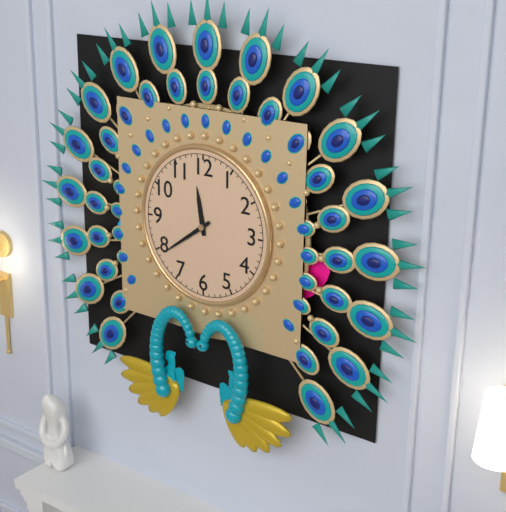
11:39
